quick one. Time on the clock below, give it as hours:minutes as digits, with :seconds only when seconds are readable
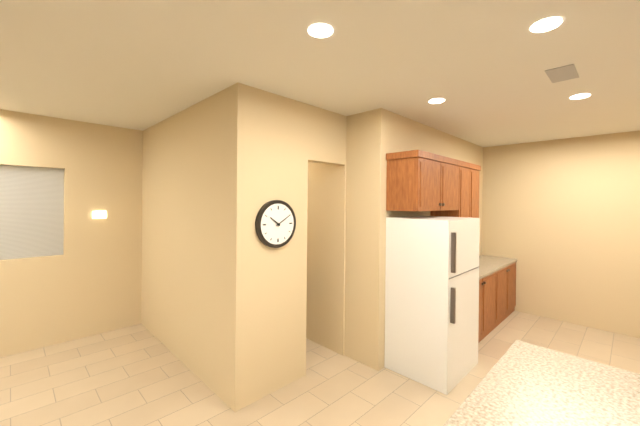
10:10
